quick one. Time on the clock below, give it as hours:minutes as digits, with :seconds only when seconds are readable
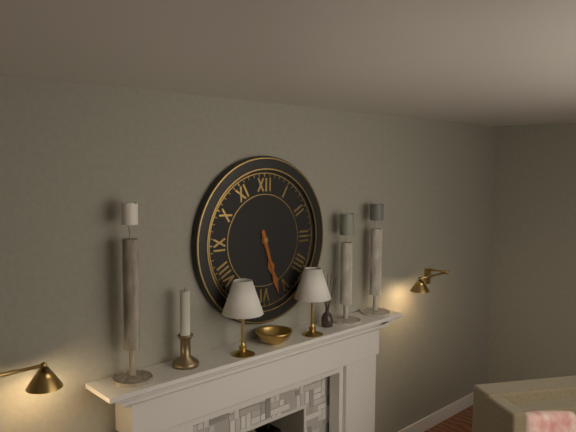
5:27
